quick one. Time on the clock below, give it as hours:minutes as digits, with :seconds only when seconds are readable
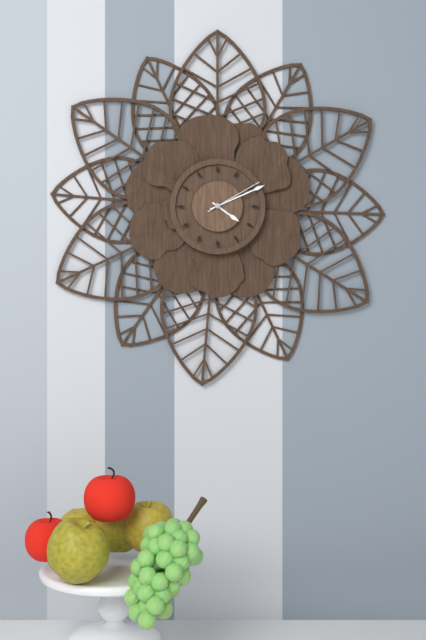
4:11:10
